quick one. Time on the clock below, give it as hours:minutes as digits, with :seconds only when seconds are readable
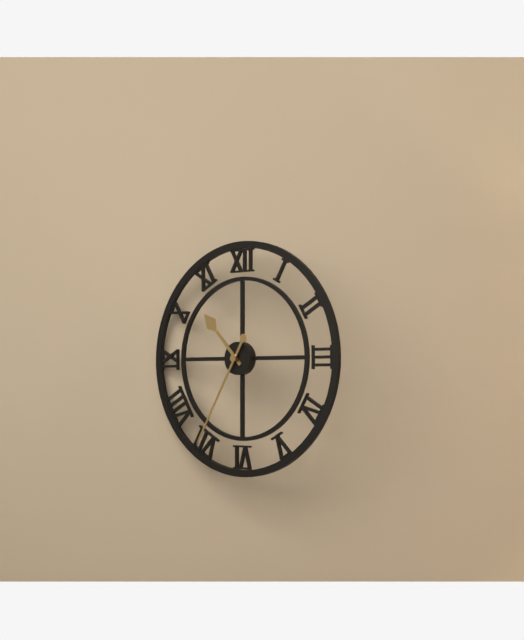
10:35
